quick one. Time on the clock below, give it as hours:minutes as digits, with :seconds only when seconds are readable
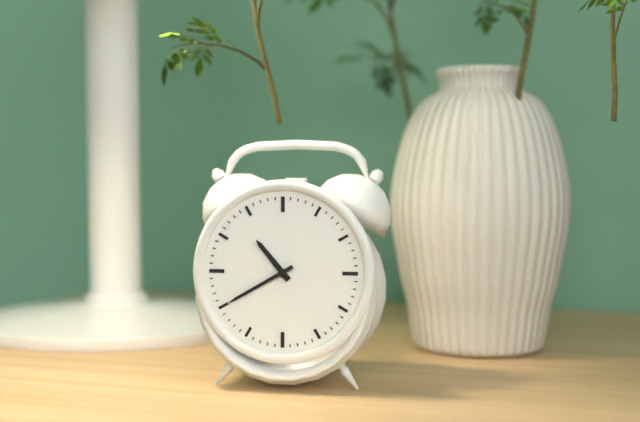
10:40
